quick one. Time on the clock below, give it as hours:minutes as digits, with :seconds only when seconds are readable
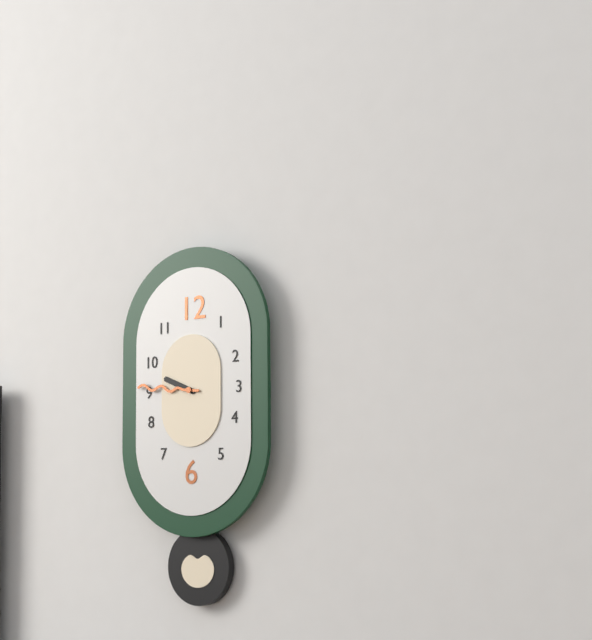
9:46
